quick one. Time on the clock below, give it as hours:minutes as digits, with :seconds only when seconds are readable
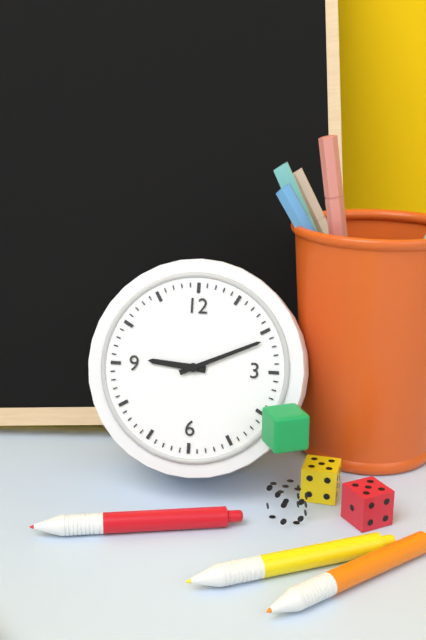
9:11
